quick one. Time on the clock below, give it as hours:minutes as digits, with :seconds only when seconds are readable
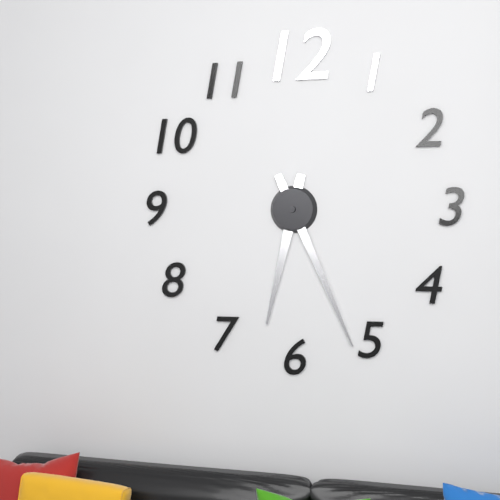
6:26
